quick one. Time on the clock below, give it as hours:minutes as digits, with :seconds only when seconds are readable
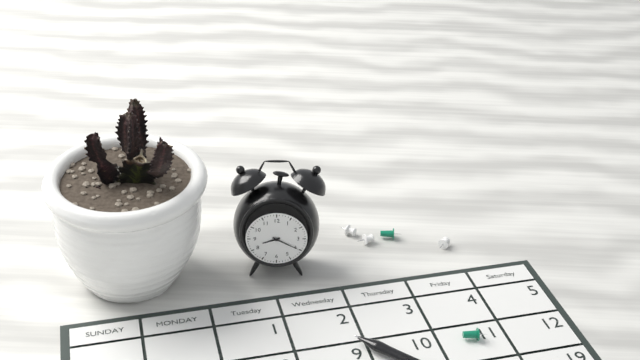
8:20
